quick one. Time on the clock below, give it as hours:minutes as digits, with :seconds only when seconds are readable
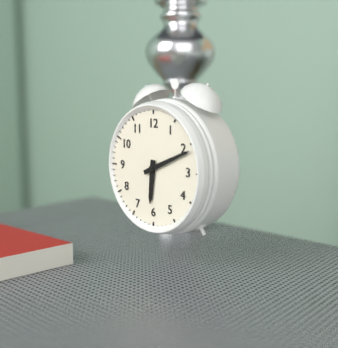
6:11
